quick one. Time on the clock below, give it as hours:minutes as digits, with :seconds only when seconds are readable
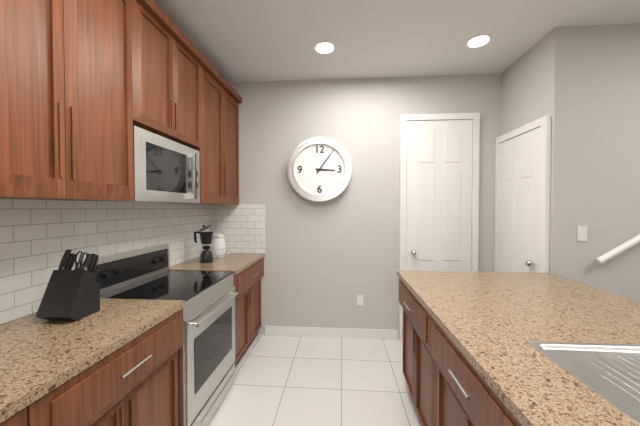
3:06
